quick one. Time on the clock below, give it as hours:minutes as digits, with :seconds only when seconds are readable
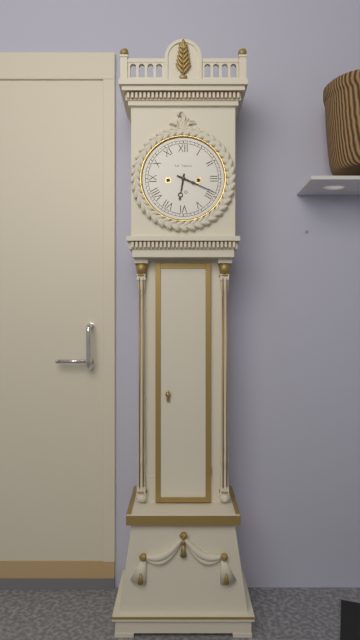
6:19
